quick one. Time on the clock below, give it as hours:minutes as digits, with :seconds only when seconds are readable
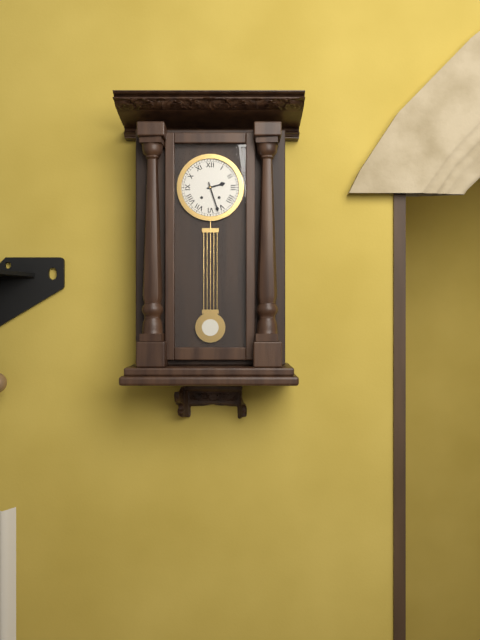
2:27
